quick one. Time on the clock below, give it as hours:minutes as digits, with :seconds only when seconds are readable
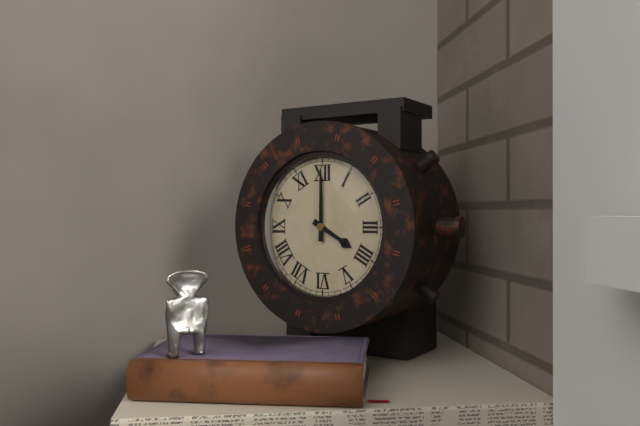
4:00
